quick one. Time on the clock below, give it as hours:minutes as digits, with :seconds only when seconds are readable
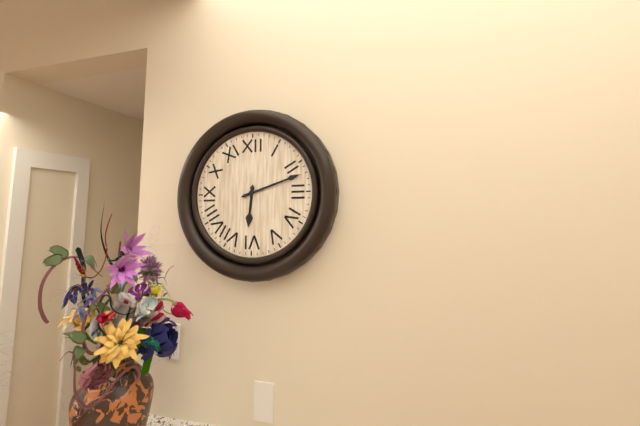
6:12
